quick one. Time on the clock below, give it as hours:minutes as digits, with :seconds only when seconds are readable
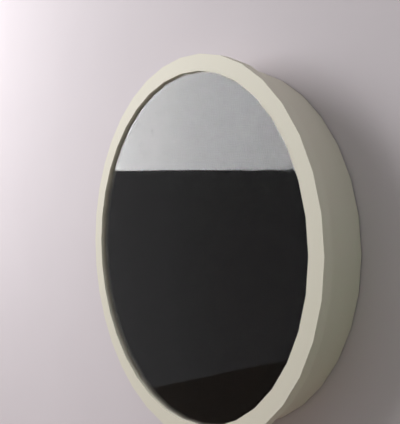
8:27:30
